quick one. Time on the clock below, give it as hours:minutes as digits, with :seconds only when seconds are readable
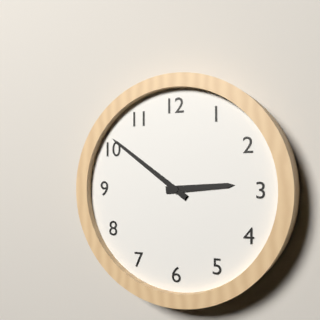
2:51
